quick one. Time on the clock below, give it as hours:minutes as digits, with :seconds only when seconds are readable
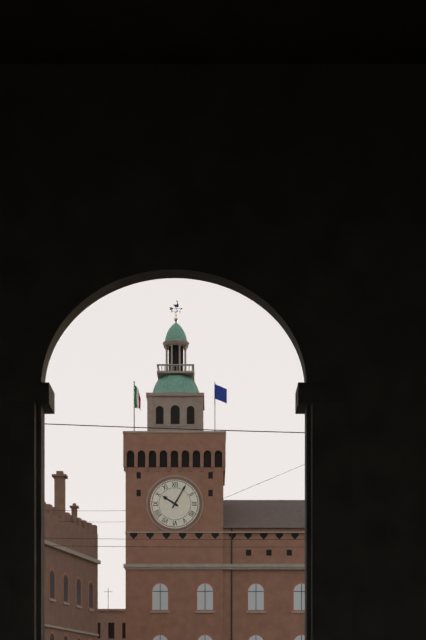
10:05
